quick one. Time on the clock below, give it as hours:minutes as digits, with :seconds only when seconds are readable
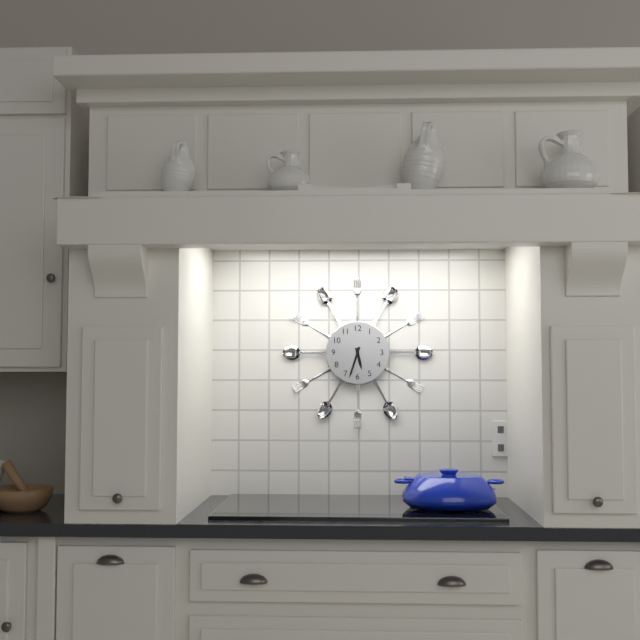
5:33
